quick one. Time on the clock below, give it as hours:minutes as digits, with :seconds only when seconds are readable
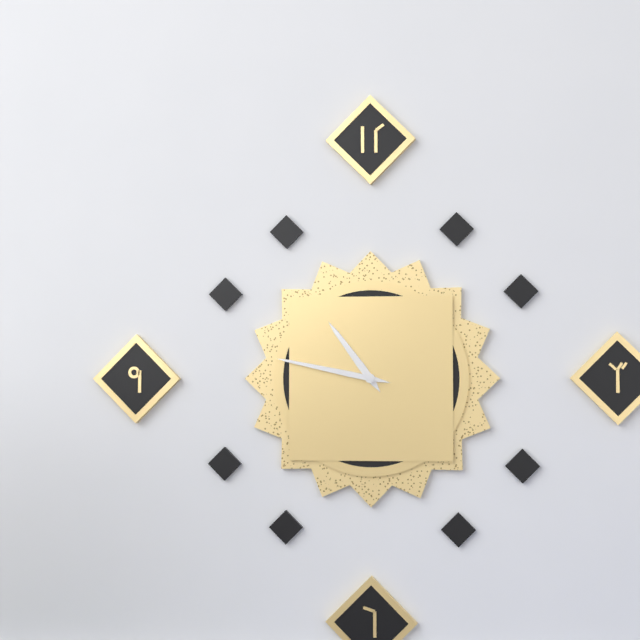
10:47
